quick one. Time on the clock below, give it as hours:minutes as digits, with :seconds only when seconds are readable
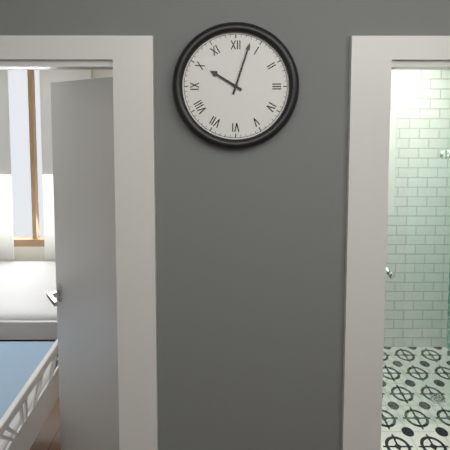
10:03
